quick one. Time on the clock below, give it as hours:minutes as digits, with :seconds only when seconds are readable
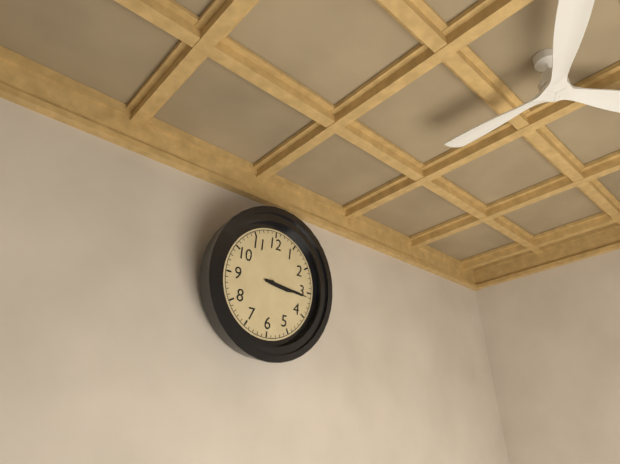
3:16
